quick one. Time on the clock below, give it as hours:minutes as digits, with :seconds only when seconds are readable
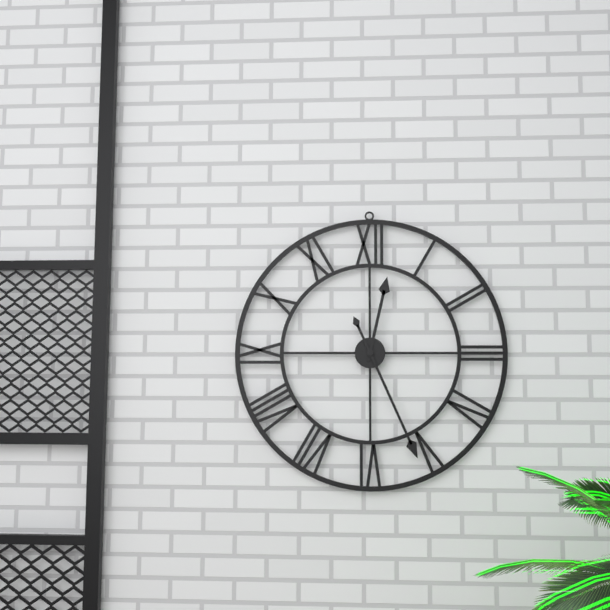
12:26
